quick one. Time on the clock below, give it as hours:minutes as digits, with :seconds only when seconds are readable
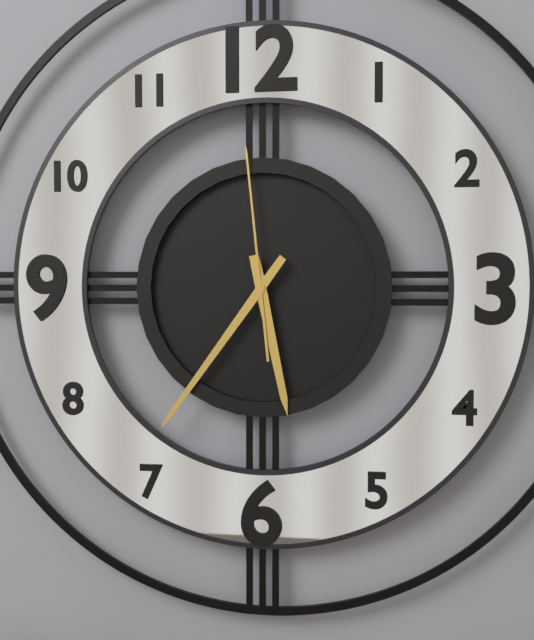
5:36:59
